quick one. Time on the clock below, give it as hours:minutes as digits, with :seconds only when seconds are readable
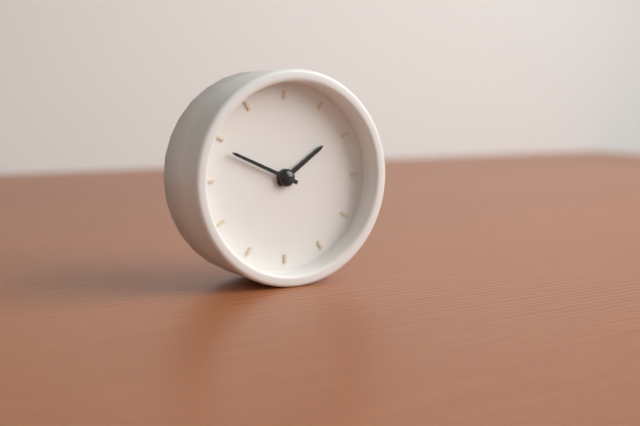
1:49
